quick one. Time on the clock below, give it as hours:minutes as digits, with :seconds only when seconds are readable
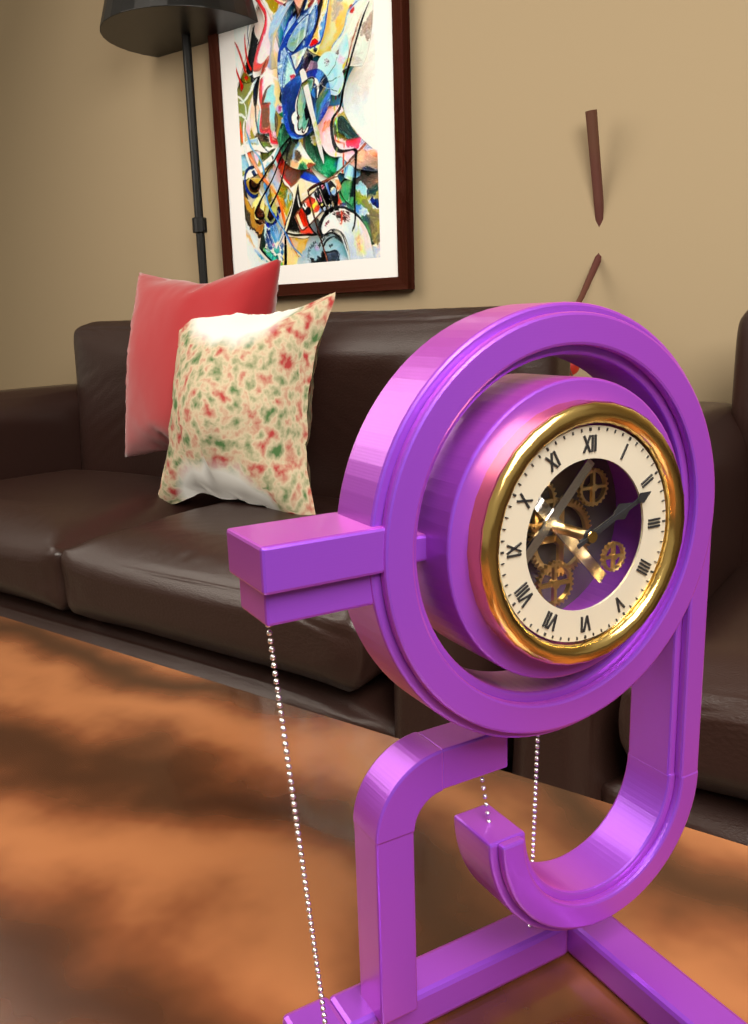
2:11
